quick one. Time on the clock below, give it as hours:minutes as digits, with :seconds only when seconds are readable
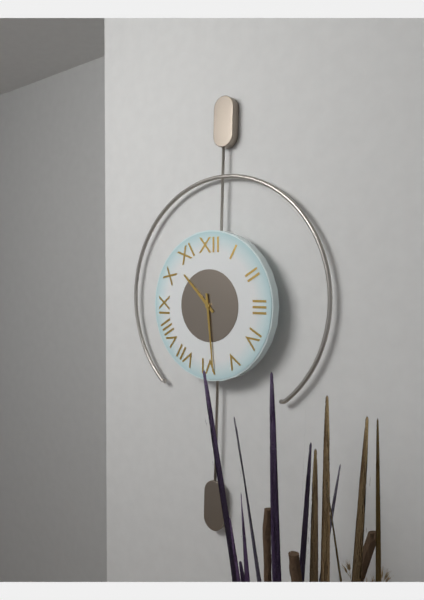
10:29
